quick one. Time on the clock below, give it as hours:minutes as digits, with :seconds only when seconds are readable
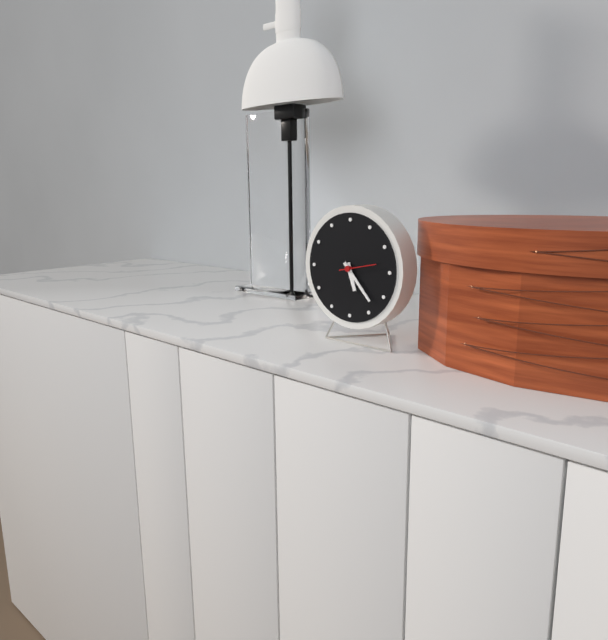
5:23
